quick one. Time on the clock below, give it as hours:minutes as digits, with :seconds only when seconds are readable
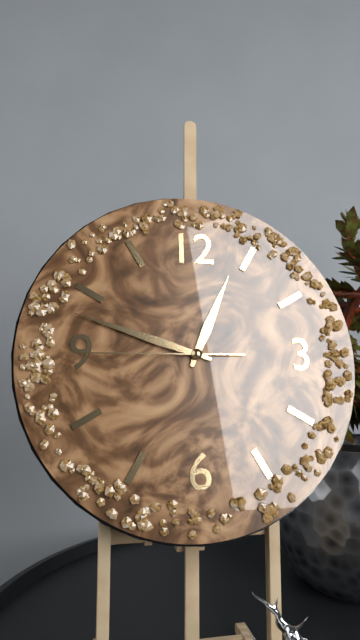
12:48:45
